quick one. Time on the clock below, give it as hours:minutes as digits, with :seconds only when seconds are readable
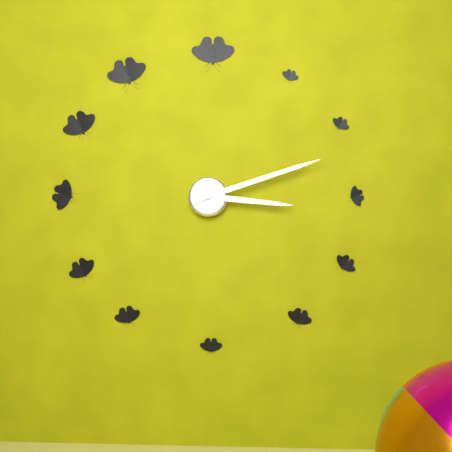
3:12
